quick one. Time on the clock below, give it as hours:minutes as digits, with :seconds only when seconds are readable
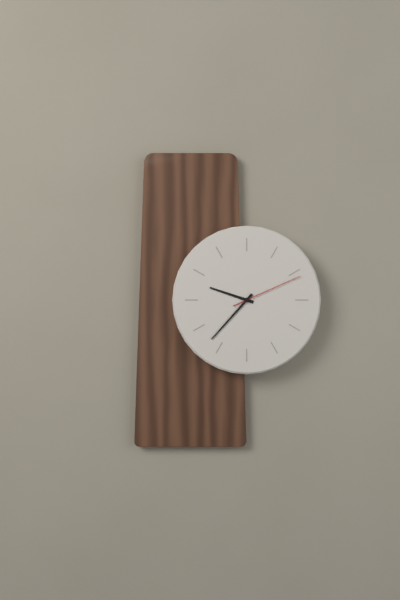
9:37:11
